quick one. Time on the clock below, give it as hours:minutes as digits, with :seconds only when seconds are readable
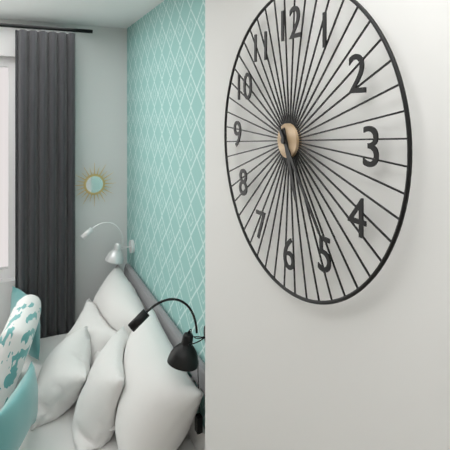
5:24
